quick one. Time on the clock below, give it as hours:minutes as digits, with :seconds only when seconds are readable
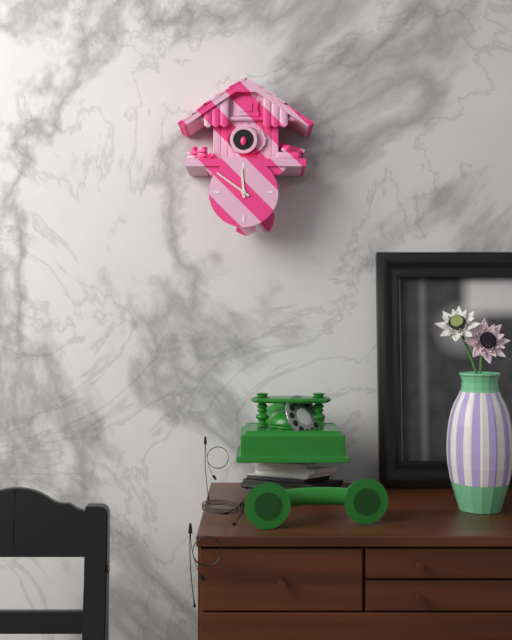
11:51
